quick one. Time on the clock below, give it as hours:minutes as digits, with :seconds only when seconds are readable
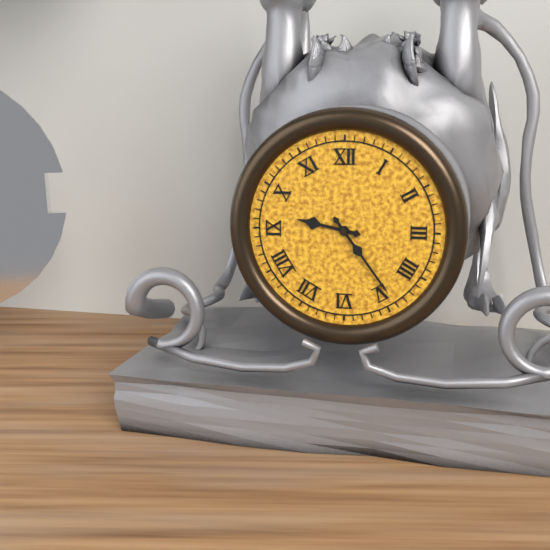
9:24
